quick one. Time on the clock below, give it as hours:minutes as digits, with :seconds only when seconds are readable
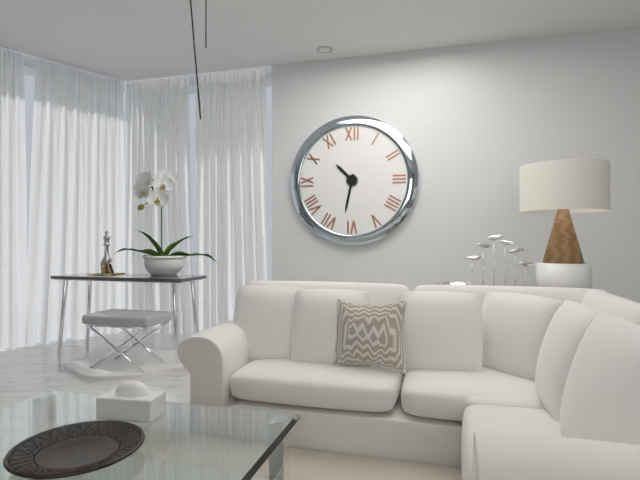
10:32
